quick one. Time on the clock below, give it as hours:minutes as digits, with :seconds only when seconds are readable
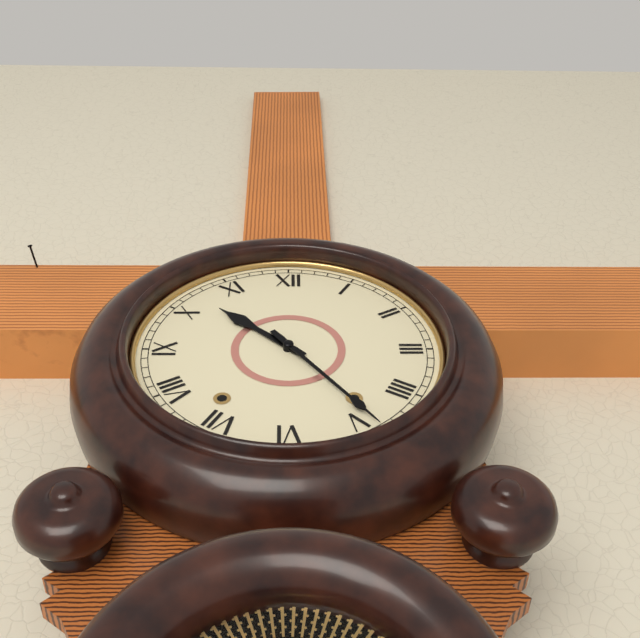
10:24
